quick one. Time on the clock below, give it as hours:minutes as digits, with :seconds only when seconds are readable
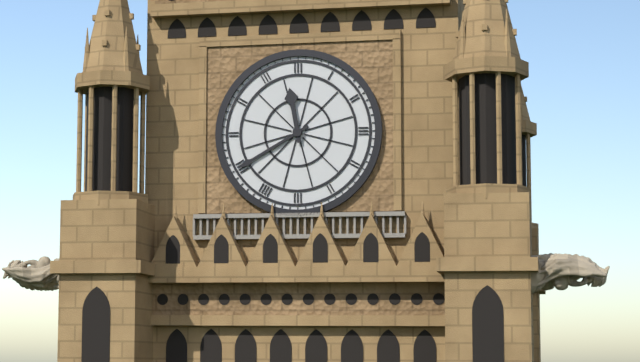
11:40
